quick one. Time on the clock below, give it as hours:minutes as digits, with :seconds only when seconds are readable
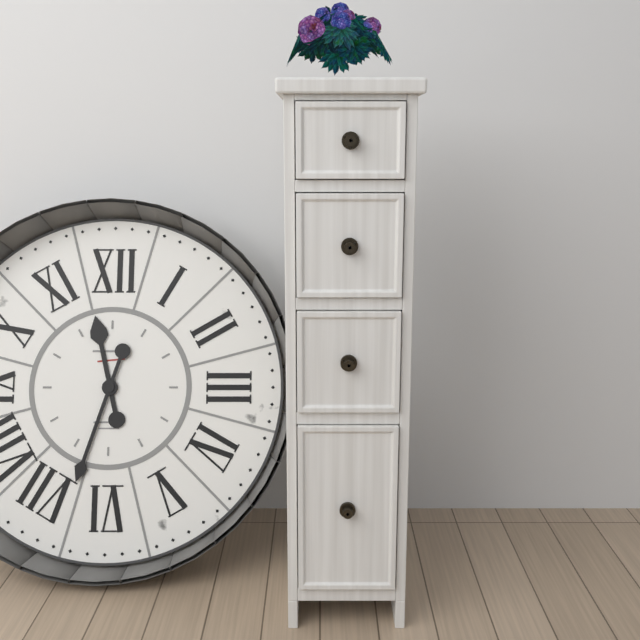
11:33
